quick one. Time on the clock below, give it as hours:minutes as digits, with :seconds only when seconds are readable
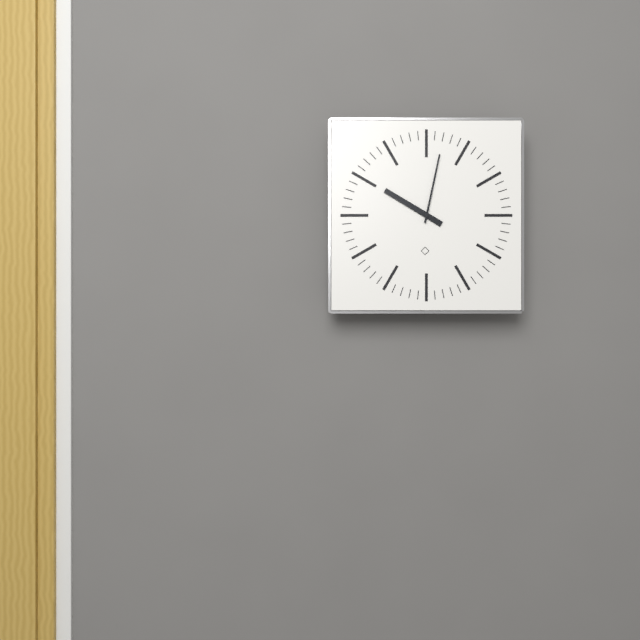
10:02
